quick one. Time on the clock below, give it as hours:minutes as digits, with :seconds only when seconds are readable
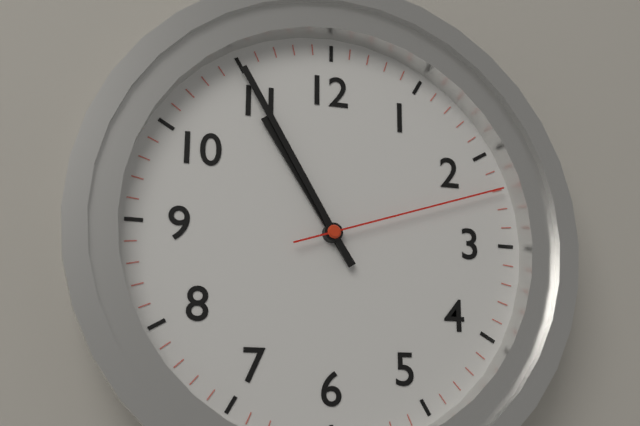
10:55:12
